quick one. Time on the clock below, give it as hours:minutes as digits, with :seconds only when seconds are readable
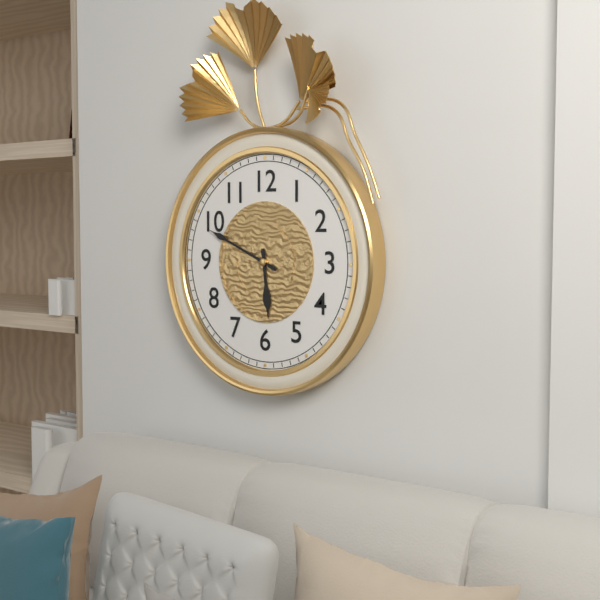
5:49
